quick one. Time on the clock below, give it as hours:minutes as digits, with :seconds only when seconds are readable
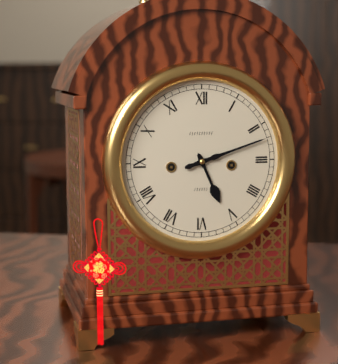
5:12
